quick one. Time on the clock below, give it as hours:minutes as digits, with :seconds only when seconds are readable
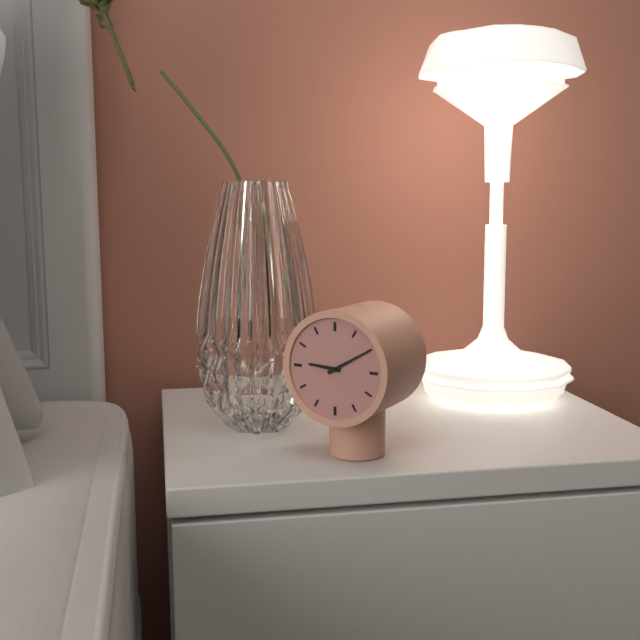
9:10
